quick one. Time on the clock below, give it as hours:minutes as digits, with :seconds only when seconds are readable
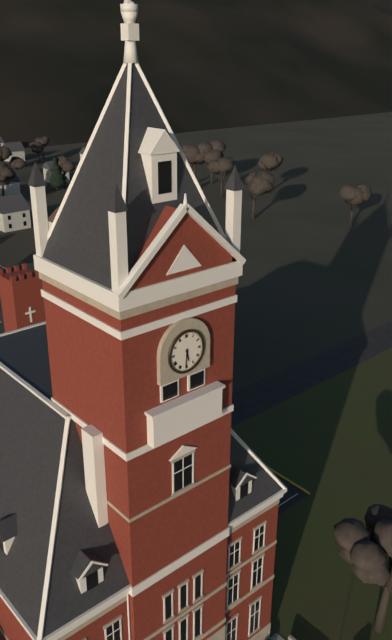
5:31
